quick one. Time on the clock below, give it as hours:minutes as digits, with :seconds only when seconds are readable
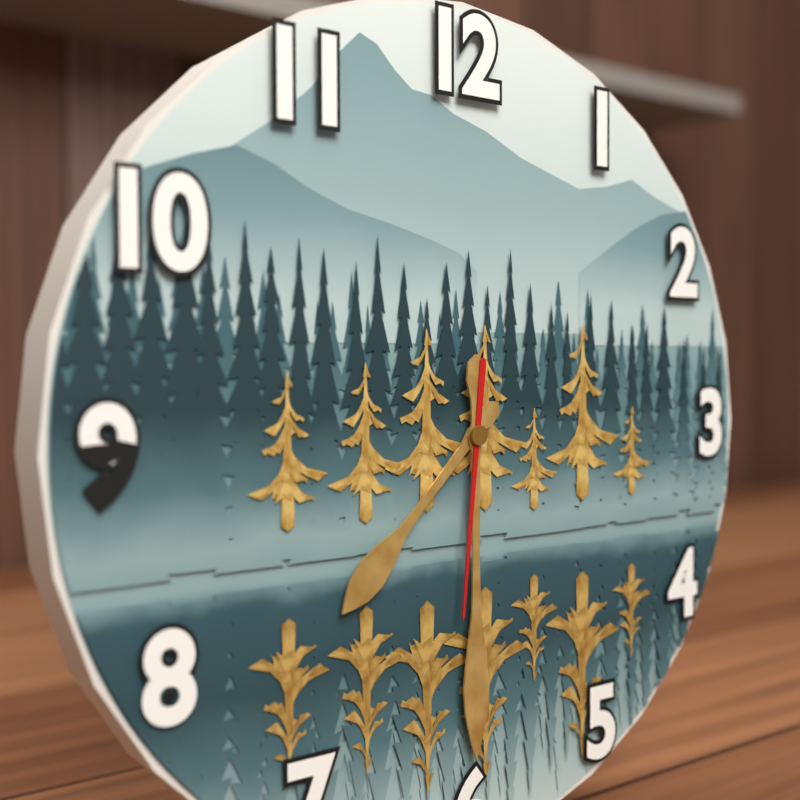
7:30:31
